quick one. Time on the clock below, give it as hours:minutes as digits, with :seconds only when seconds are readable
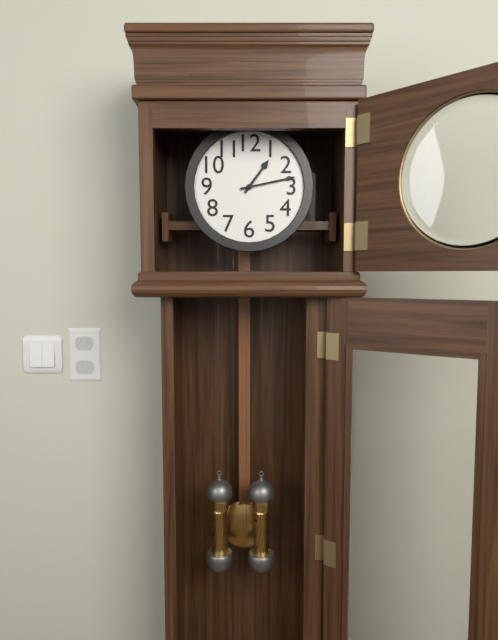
1:13
